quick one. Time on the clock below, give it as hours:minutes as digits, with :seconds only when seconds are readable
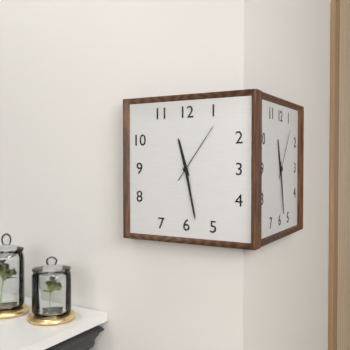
11:28:06
